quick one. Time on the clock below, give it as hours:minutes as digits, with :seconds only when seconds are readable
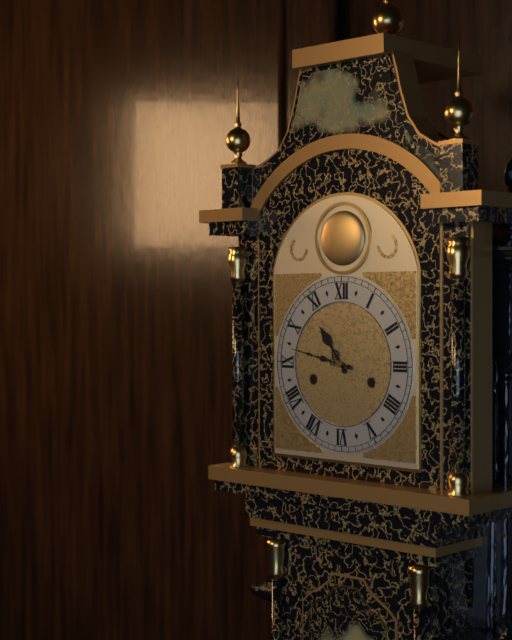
10:47
